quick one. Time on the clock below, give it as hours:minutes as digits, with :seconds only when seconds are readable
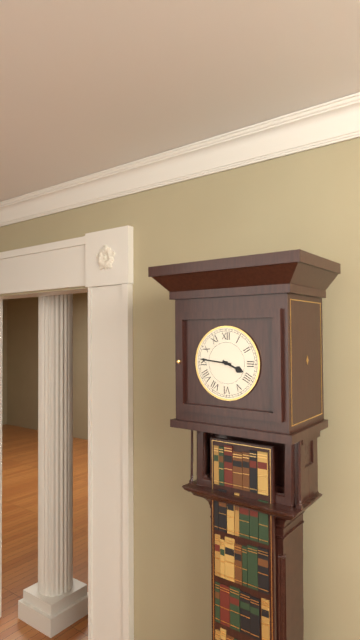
3:46
